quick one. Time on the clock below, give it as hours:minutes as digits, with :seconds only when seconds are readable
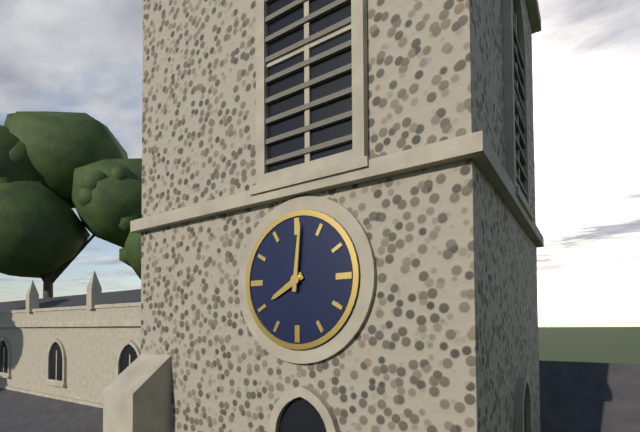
8:01
